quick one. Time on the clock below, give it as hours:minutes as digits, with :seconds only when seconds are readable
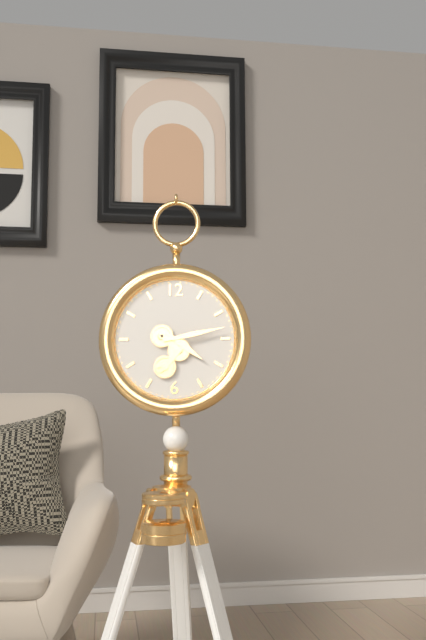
4:13
